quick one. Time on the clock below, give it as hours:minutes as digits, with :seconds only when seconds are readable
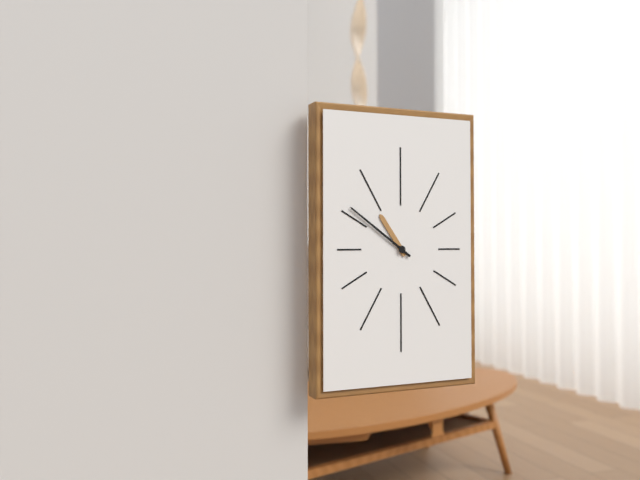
10:51
